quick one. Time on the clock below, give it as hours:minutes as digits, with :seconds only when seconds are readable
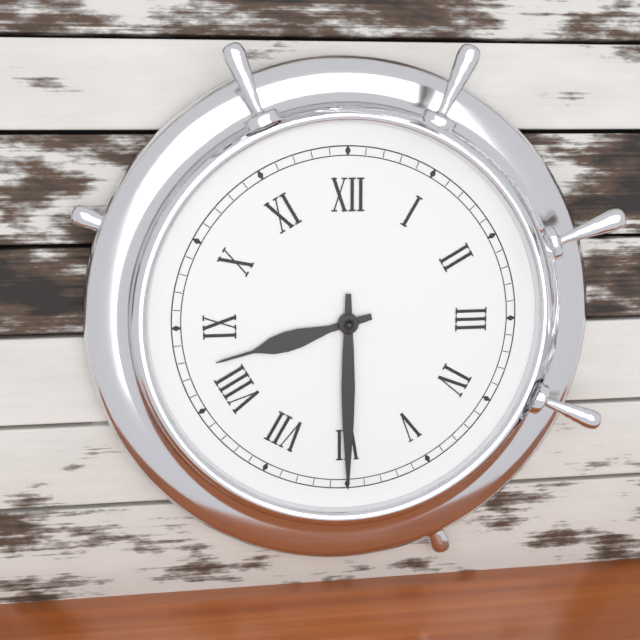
8:30
